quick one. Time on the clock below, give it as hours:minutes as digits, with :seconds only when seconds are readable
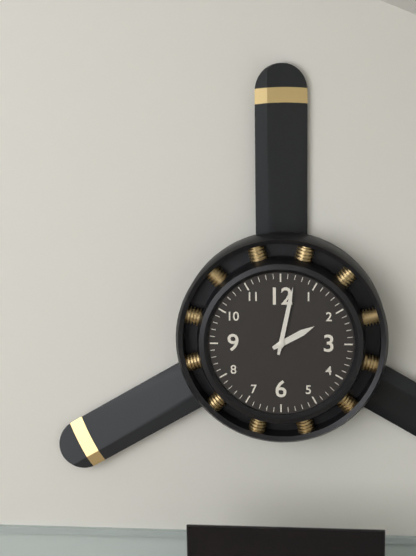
2:02
